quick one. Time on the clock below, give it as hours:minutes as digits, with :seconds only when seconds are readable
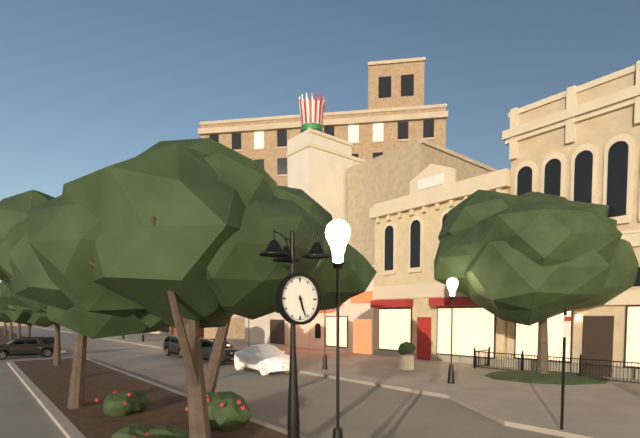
5:27
